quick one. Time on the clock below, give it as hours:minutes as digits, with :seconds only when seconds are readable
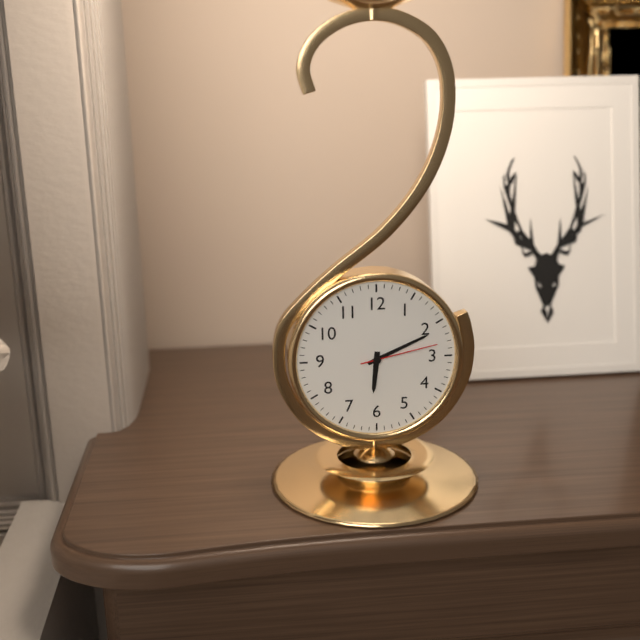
6:11:13
